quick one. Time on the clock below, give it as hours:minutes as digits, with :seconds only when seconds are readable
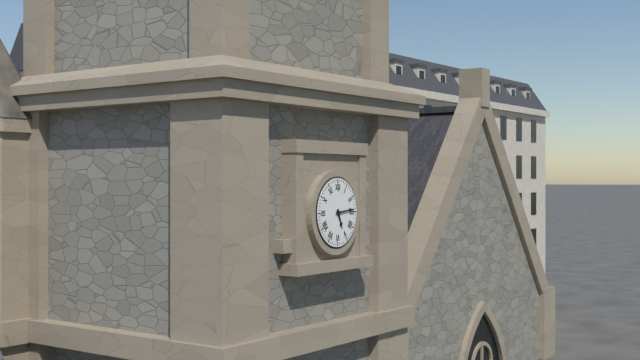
5:14
